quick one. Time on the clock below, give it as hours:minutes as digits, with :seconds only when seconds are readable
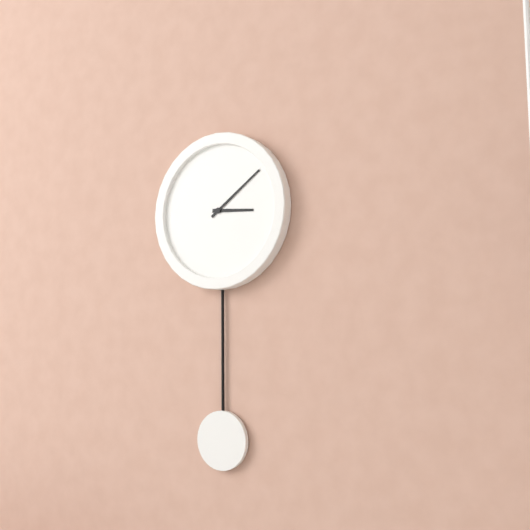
3:09
